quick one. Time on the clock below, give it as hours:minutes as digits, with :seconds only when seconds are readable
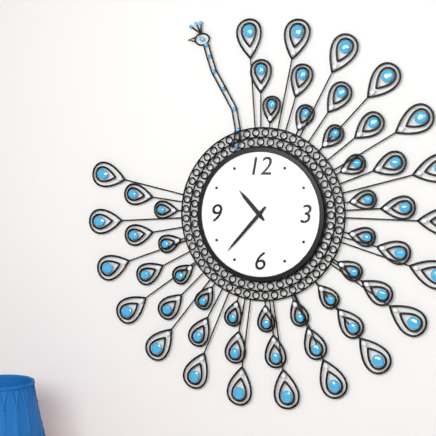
10:37
